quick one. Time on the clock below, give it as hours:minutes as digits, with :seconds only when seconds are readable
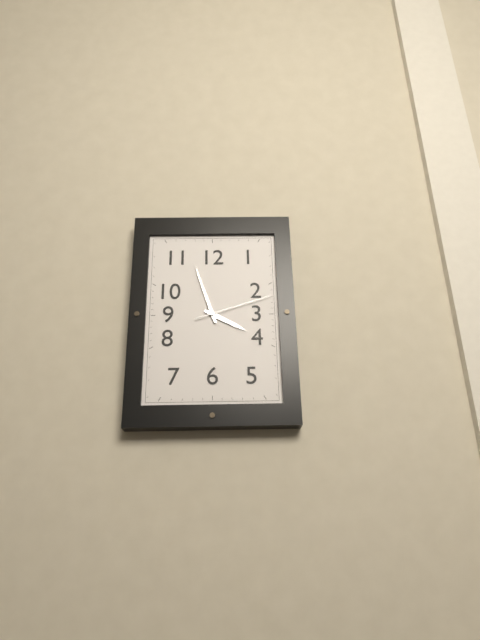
3:57:12
